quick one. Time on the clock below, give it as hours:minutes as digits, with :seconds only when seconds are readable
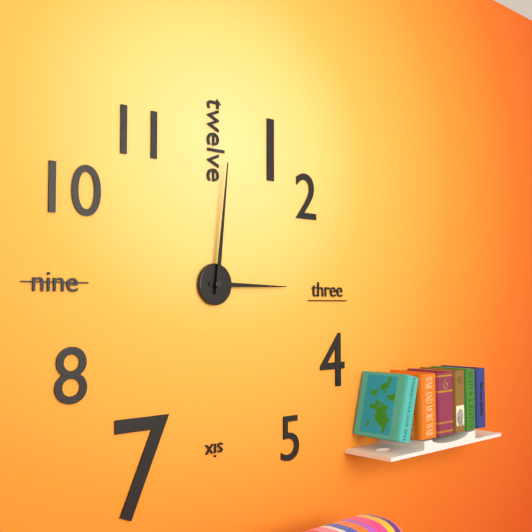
3:01
